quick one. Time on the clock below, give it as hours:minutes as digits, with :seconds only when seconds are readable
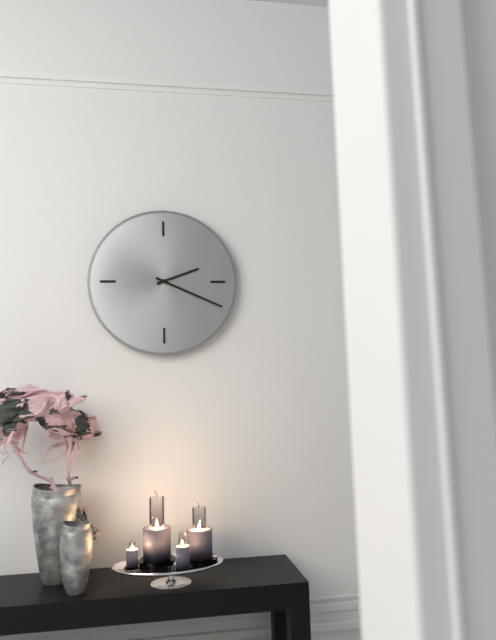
2:19
